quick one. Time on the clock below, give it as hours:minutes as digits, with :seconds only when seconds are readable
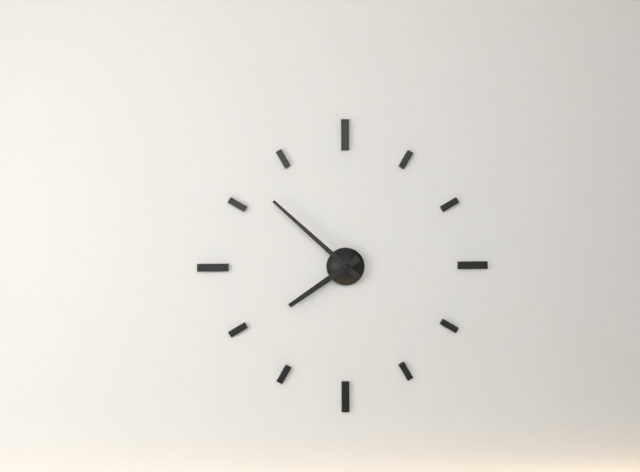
7:52
